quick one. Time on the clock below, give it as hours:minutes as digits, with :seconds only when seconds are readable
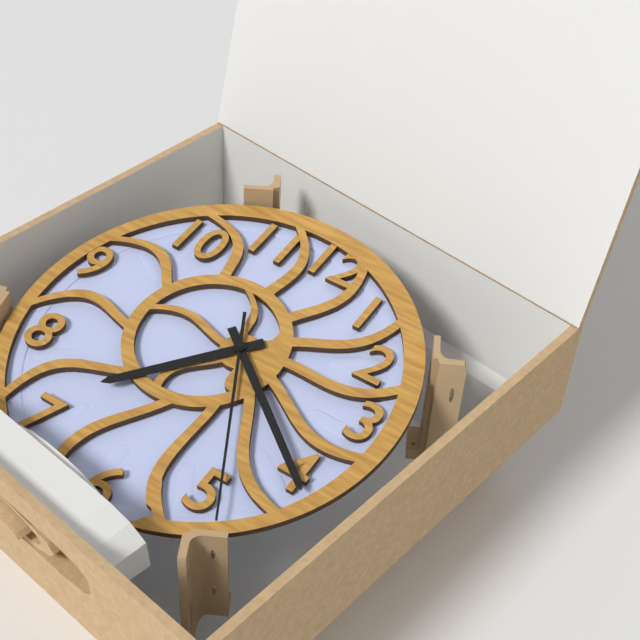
7:21:25
